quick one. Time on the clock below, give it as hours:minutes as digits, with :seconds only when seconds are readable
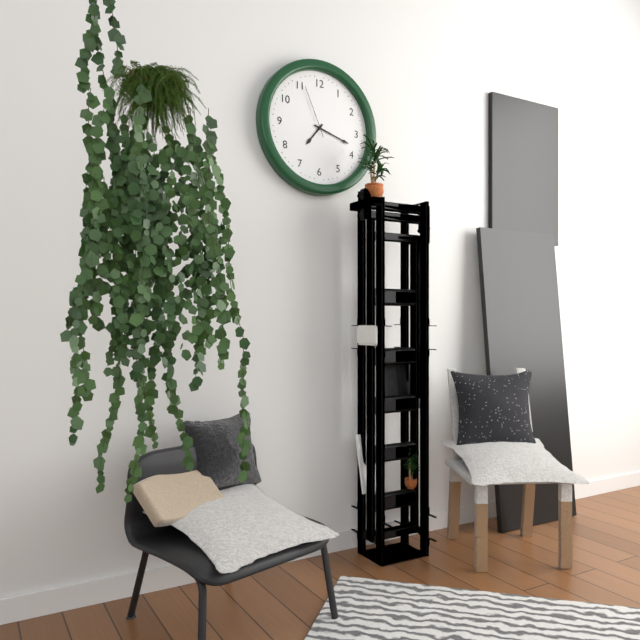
7:18:56
